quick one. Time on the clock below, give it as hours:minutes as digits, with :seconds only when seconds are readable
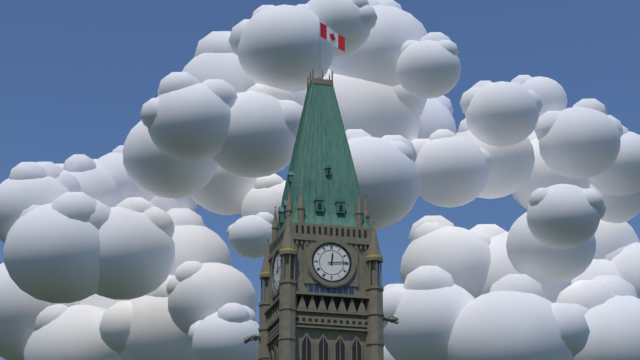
12:14
